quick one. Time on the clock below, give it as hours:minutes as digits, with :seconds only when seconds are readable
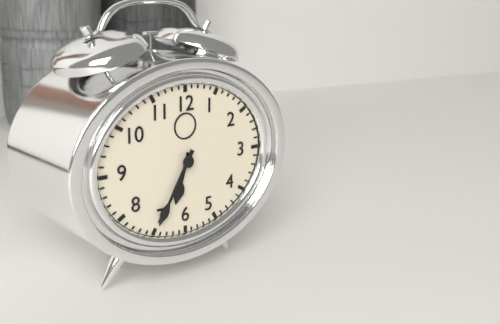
6:35
